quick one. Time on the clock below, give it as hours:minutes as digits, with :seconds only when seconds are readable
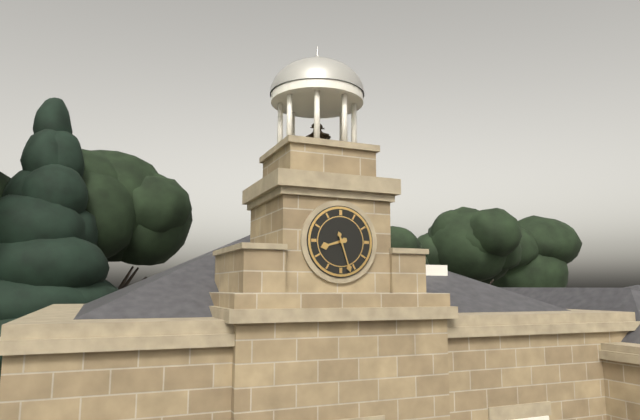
8:27
